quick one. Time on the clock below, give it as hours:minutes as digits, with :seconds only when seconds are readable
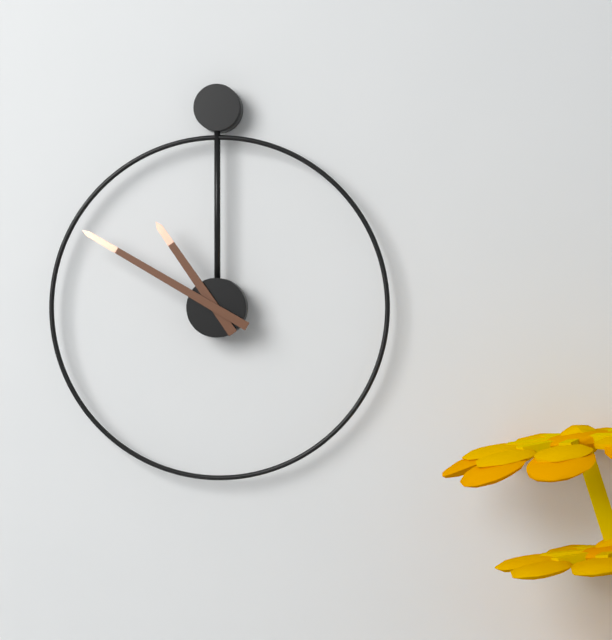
10:50
